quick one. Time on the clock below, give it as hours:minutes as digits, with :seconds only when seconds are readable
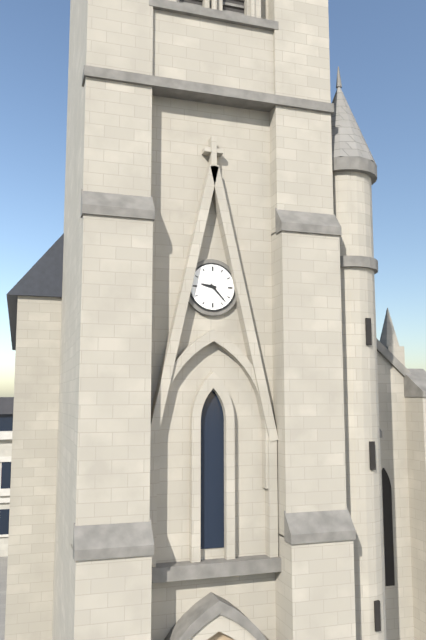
9:23
